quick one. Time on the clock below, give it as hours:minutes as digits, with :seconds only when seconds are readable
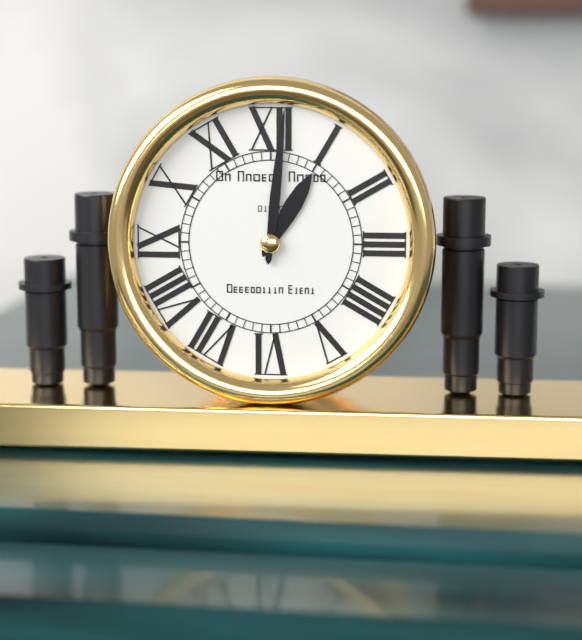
1:01
